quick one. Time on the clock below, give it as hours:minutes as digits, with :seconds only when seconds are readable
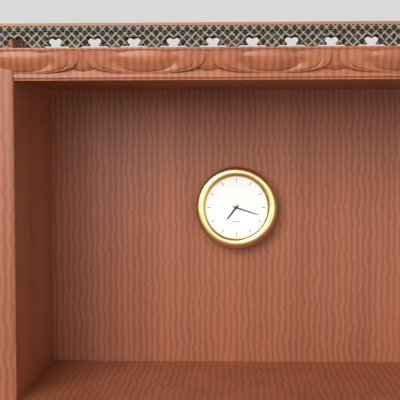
7:18
